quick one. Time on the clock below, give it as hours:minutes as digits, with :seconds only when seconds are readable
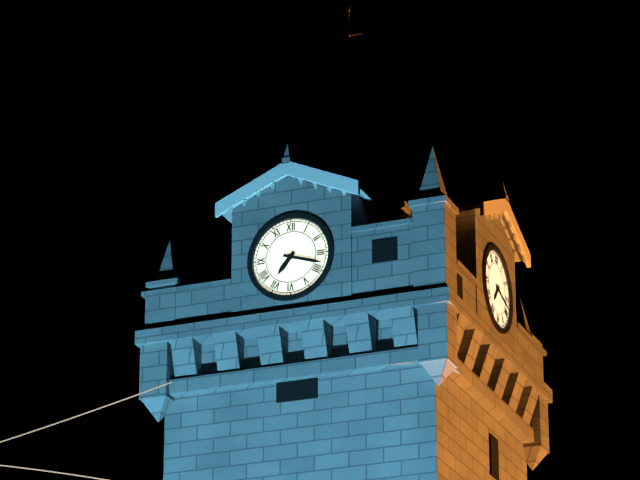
7:18
